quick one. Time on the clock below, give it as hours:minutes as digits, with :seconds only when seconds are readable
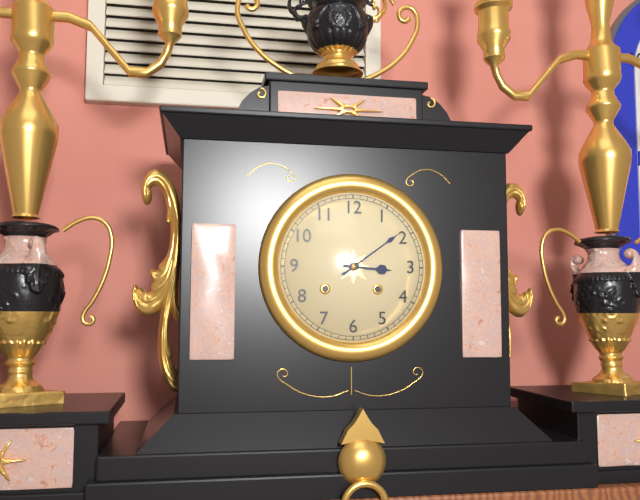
3:09
